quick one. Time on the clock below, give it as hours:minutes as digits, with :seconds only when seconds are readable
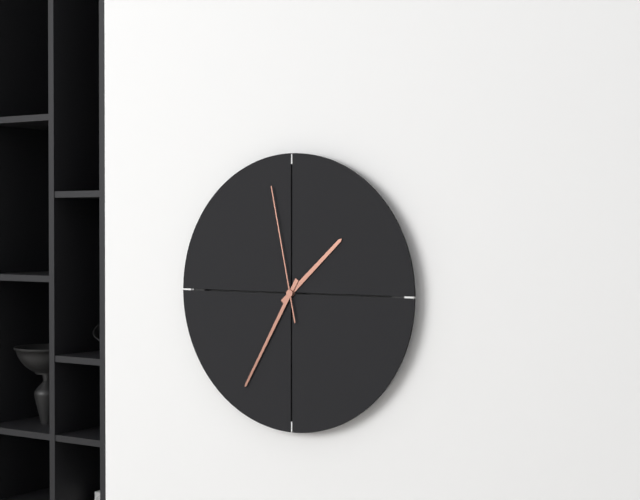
1:35:58
